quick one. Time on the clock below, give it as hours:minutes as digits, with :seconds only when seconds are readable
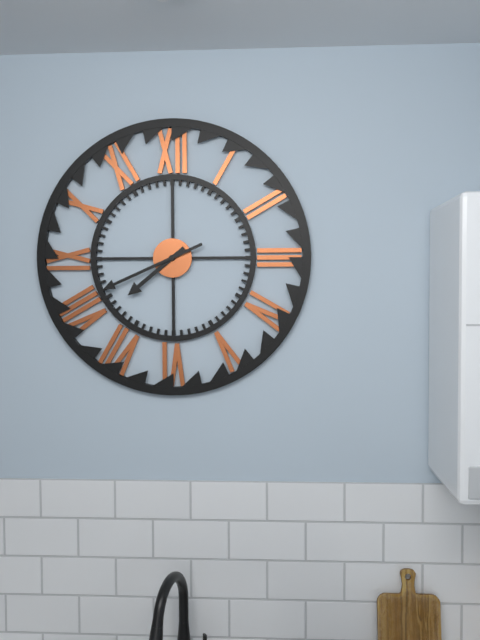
7:41
